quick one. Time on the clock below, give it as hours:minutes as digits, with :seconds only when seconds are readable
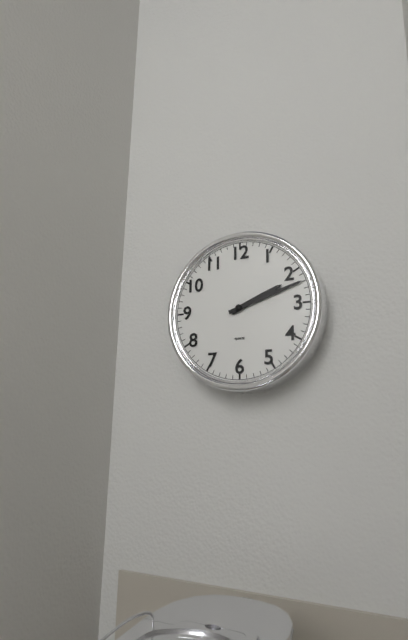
2:12
